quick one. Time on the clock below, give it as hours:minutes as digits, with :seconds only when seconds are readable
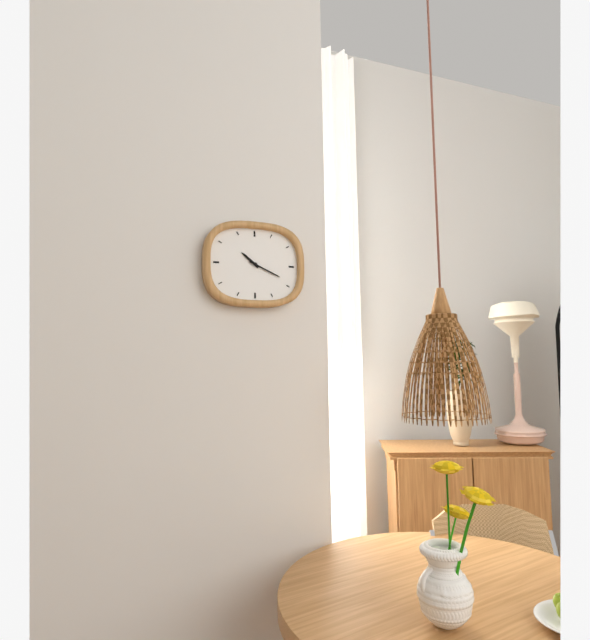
10:19
